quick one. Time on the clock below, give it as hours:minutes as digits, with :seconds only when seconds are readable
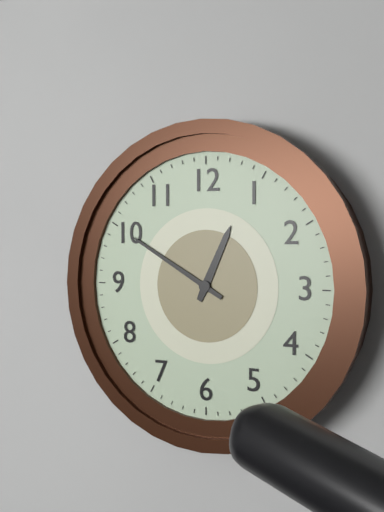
12:50
